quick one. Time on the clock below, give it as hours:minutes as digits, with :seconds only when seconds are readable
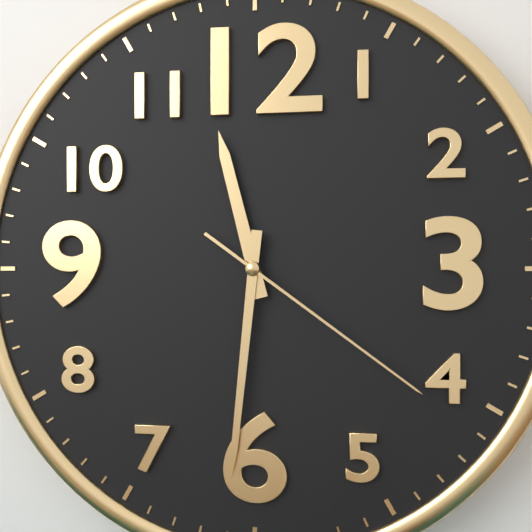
11:31:21
